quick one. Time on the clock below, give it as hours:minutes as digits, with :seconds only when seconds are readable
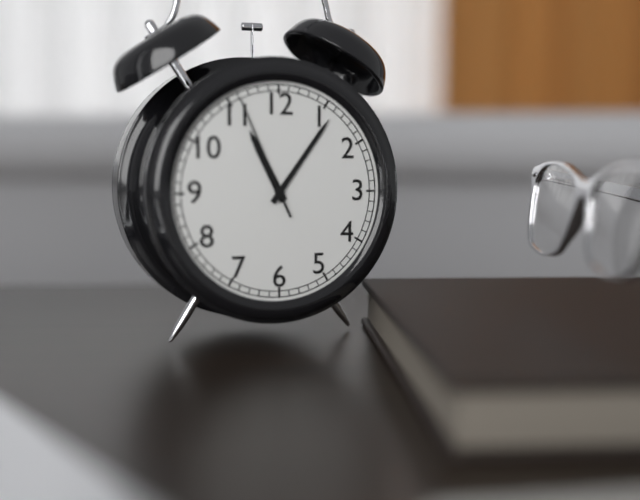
11:06:56
